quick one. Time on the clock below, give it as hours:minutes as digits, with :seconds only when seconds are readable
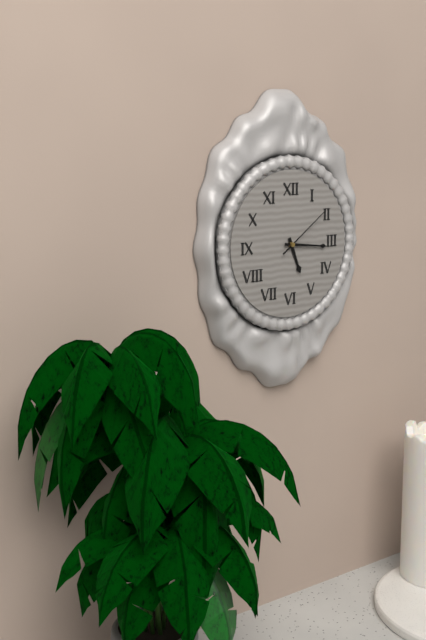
5:16:09
